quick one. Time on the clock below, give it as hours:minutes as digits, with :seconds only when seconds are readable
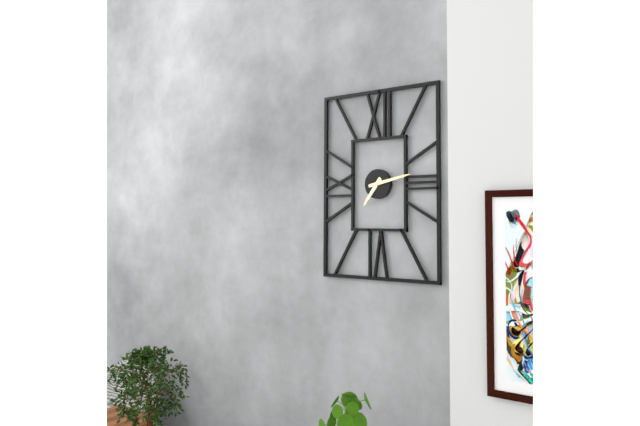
7:13
